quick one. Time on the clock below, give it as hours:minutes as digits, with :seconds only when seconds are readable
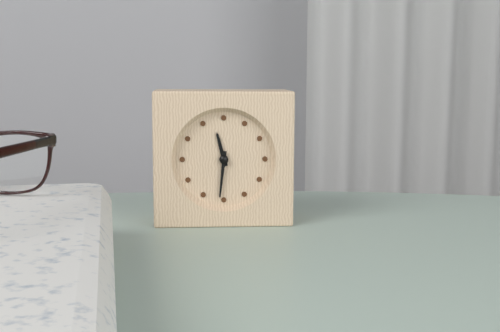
11:31
